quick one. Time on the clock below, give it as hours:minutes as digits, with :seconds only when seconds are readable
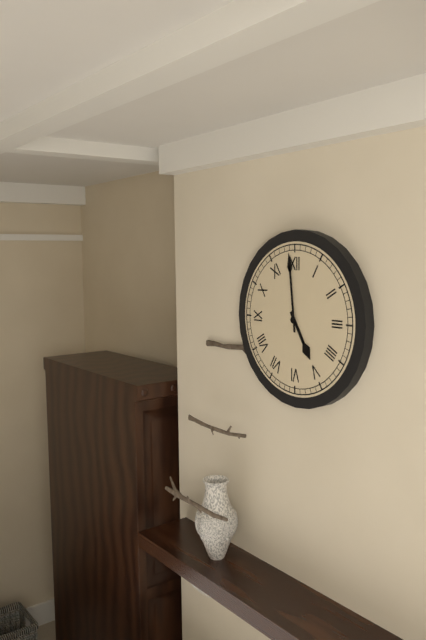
4:59
